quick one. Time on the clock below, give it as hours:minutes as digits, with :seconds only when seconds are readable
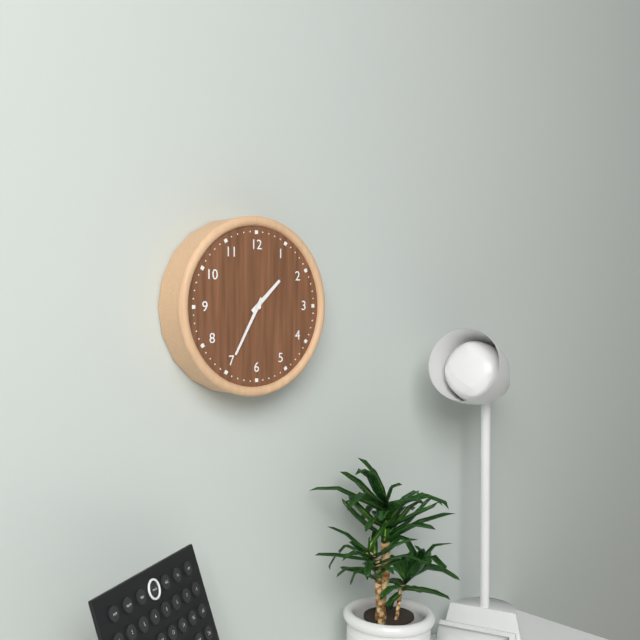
1:35
